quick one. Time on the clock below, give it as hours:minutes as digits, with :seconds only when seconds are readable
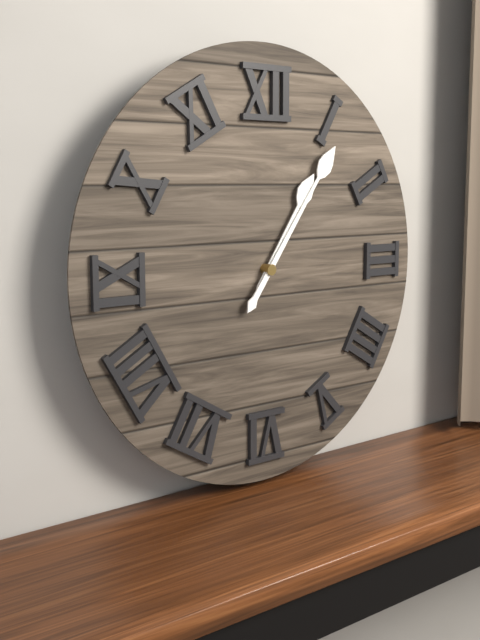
1:06
